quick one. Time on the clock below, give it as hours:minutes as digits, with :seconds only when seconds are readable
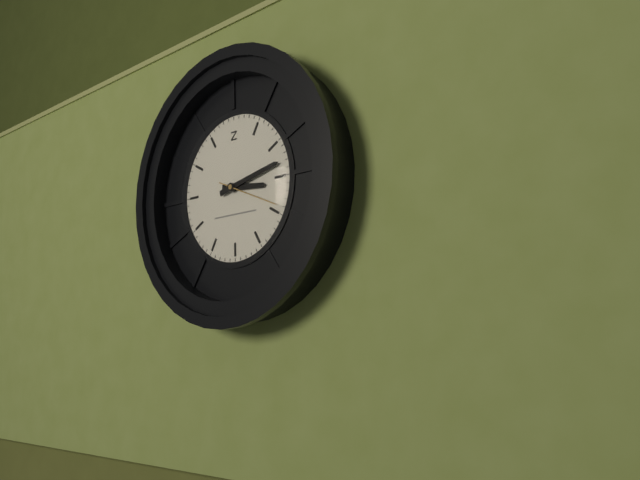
3:13:19
